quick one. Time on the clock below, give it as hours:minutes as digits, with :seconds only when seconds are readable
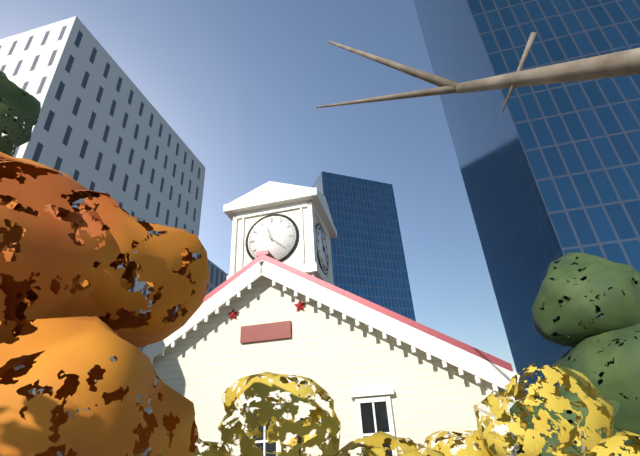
11:22
